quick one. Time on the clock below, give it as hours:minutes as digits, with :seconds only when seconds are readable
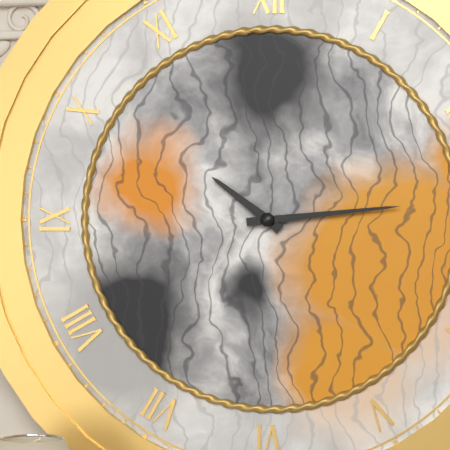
10:14
